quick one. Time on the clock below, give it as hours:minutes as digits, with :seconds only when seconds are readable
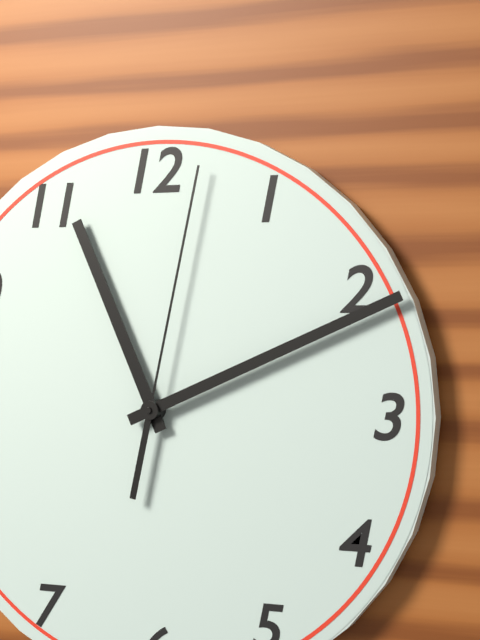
11:11:02
